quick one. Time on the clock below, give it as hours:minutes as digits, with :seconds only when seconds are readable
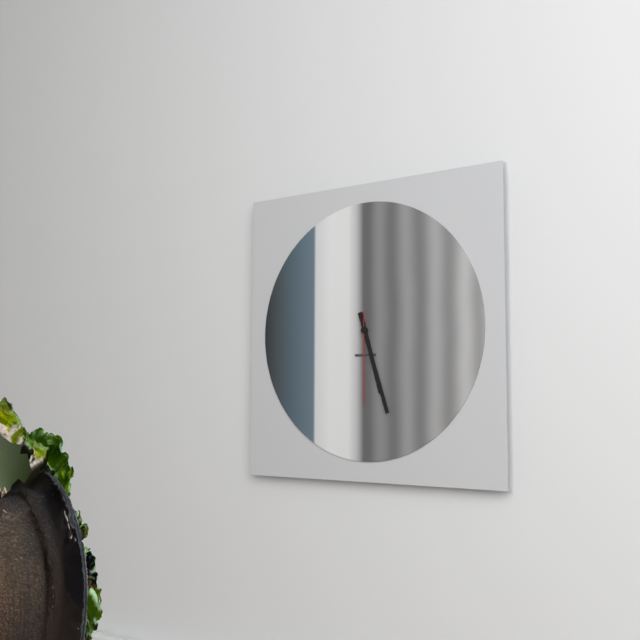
5:27:30
